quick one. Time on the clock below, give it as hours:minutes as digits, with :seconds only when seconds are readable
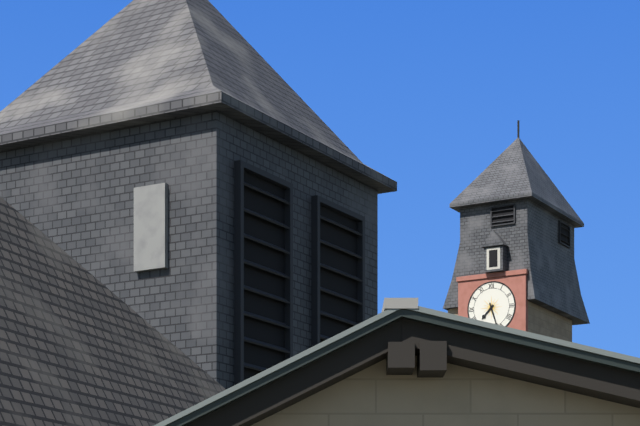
7:27
